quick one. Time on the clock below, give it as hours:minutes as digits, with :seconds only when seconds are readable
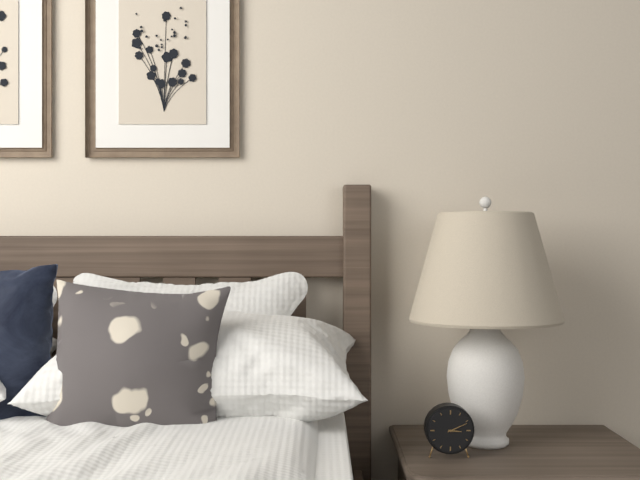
3:11
